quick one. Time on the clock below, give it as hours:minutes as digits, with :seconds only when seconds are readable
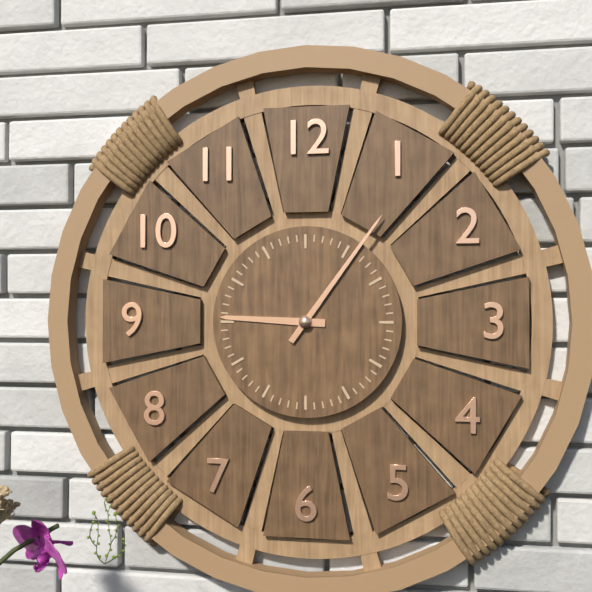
9:06
